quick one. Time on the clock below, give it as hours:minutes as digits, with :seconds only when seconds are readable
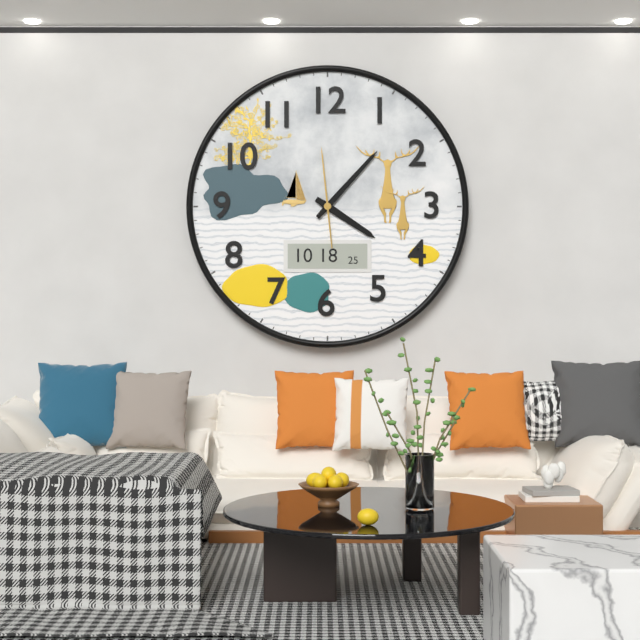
4:07:59
